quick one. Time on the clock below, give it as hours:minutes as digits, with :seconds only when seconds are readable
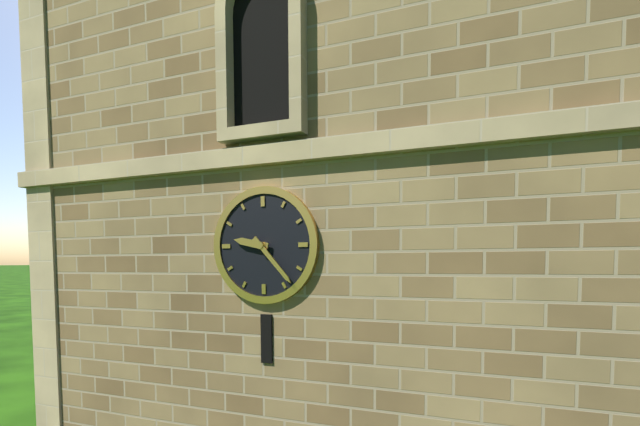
9:23
